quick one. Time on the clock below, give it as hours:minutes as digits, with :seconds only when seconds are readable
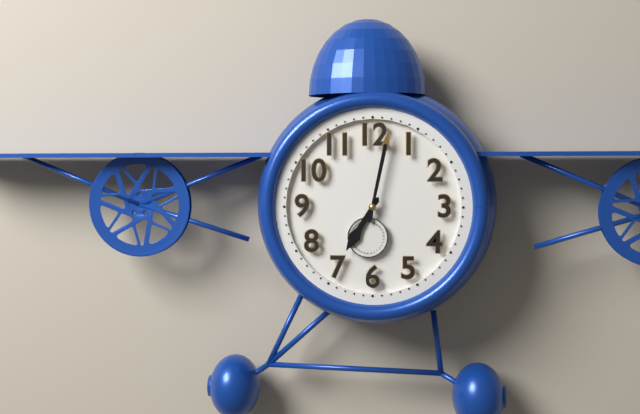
7:02
